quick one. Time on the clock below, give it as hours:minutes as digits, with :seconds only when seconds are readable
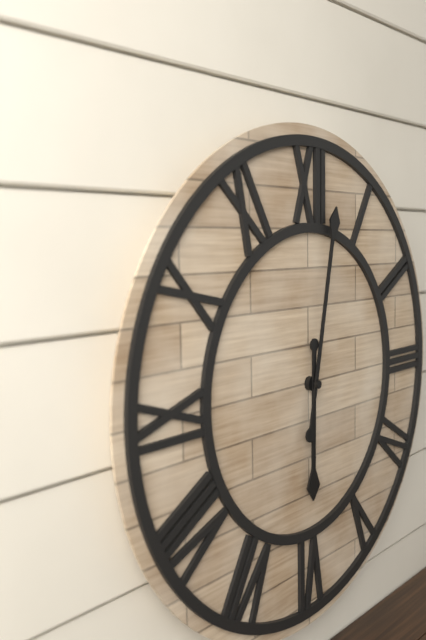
6:02
